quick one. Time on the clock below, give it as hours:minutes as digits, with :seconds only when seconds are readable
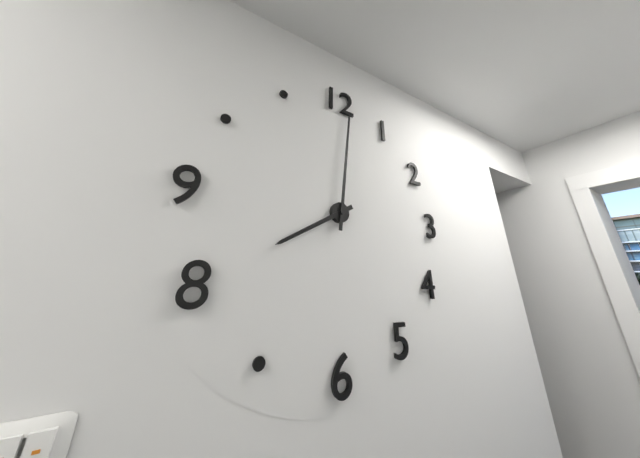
8:01
